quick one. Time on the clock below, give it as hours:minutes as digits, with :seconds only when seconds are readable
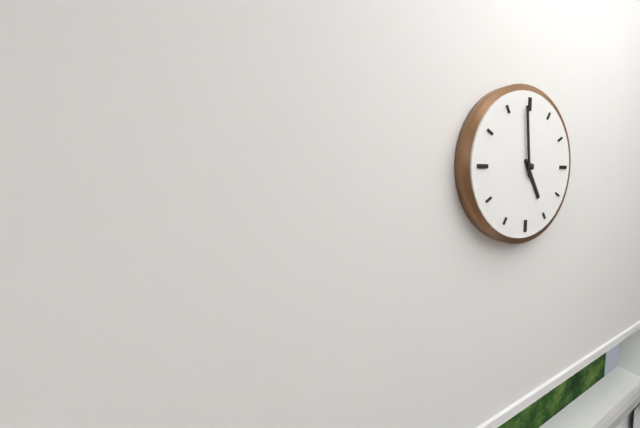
4:59
